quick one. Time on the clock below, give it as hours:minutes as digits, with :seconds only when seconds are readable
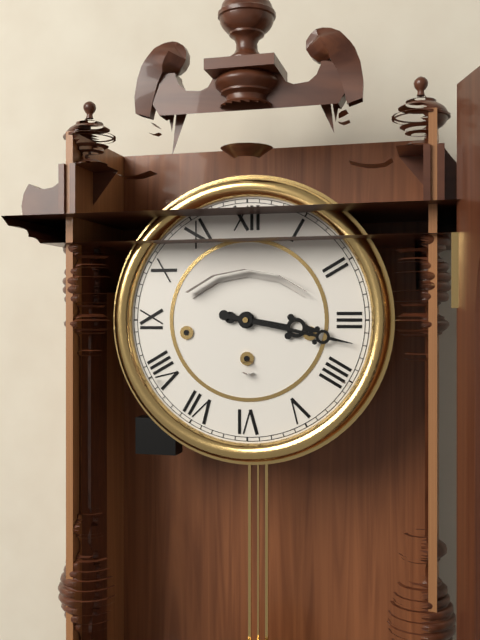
3:17
